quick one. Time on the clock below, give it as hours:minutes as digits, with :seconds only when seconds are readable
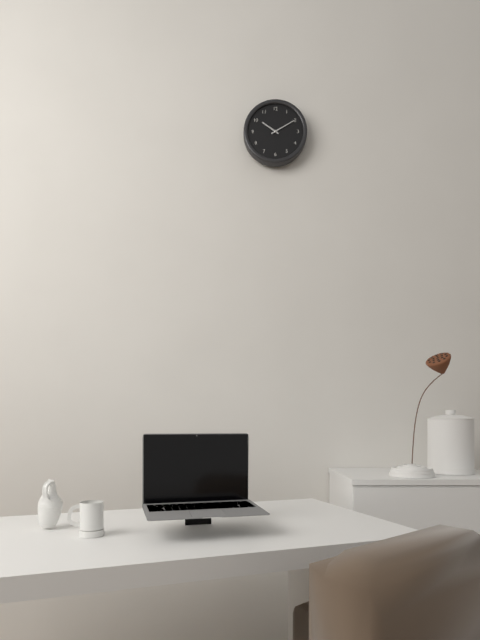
10:10
